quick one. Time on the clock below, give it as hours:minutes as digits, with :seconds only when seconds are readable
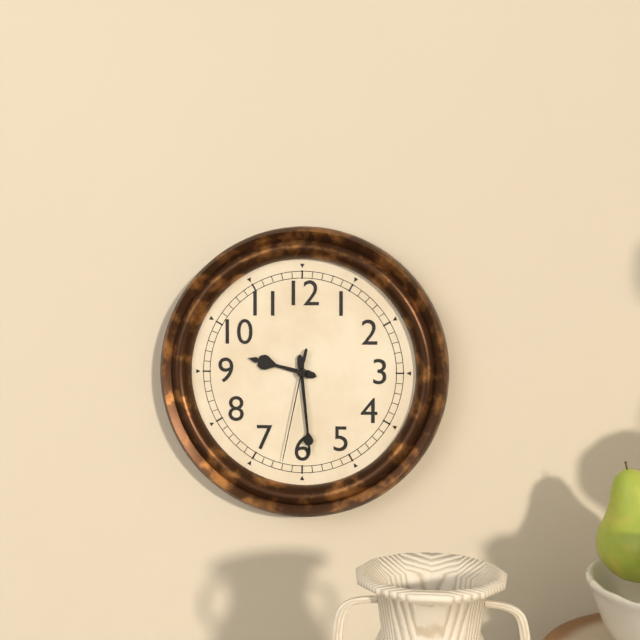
9:29:32
